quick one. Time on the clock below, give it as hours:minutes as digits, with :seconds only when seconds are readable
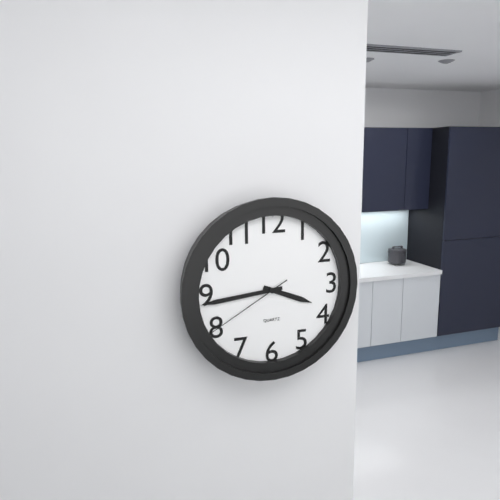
3:44:40
